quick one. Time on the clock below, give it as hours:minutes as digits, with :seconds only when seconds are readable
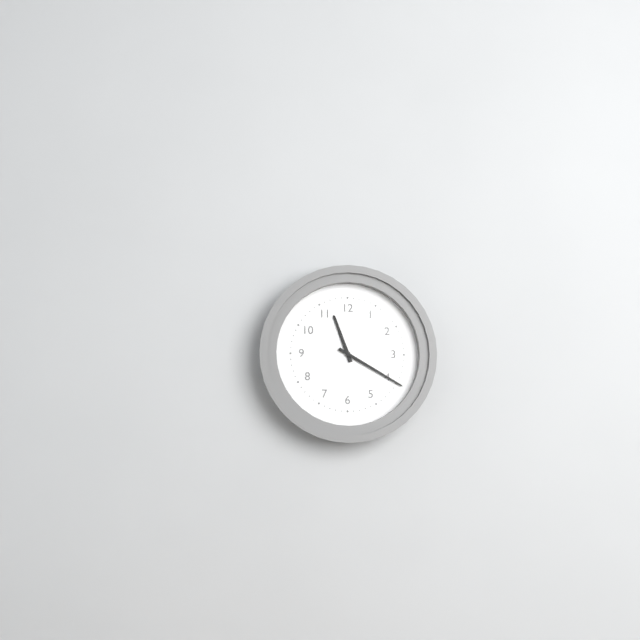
11:20
